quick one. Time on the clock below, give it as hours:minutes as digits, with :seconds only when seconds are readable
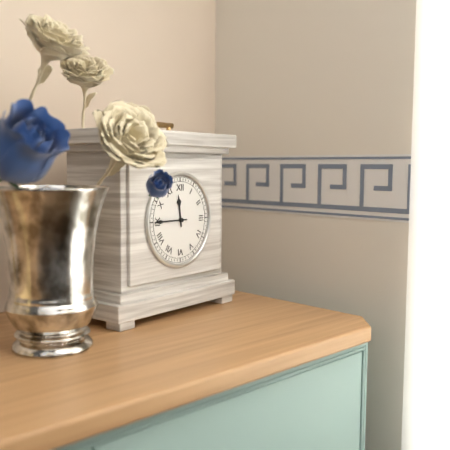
11:45
